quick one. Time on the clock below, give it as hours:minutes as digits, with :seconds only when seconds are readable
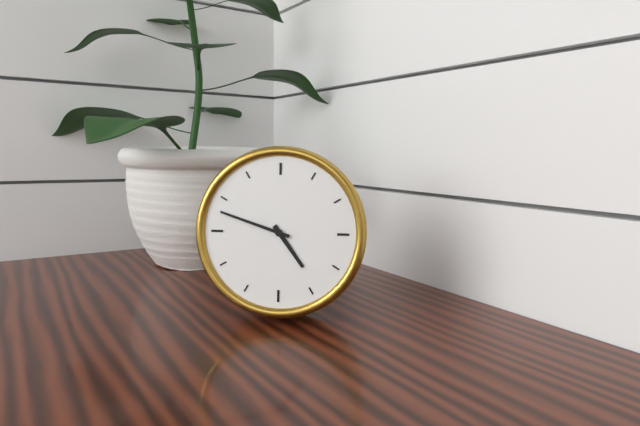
4:48
